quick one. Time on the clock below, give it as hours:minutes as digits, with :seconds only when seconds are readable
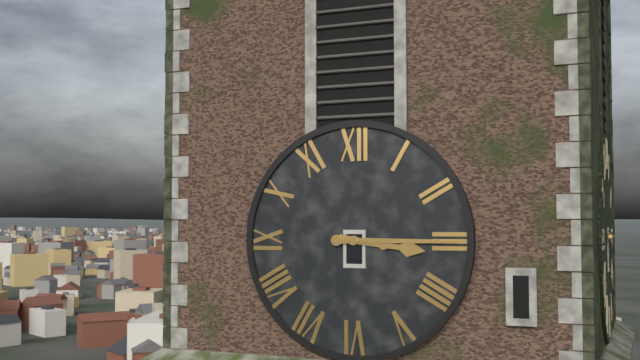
3:15
